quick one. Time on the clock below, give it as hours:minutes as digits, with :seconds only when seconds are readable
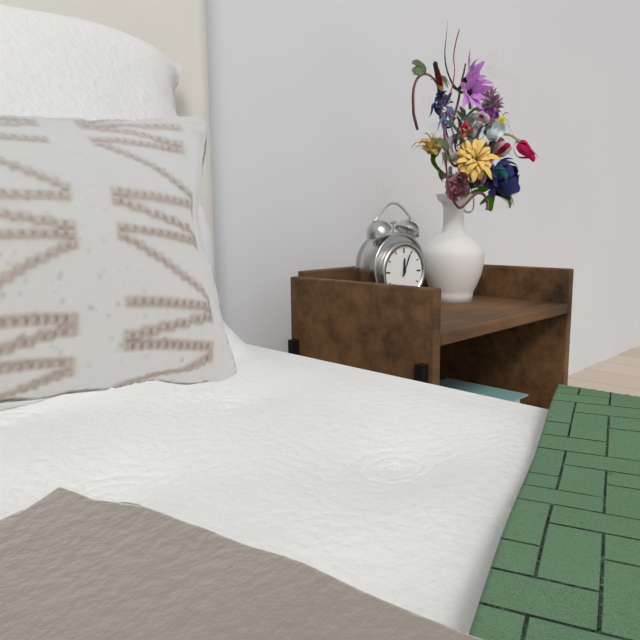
12:04
